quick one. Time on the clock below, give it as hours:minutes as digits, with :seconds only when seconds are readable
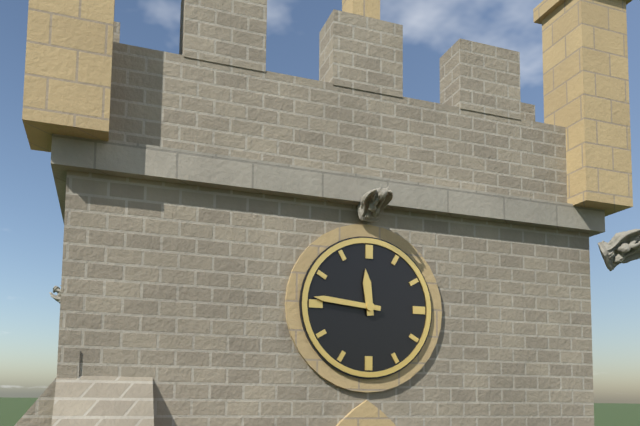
11:46
